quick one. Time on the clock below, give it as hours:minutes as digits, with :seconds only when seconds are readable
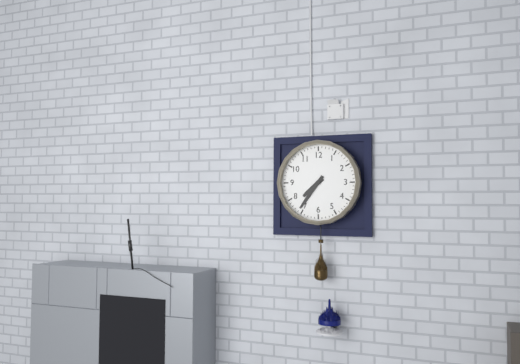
7:36
